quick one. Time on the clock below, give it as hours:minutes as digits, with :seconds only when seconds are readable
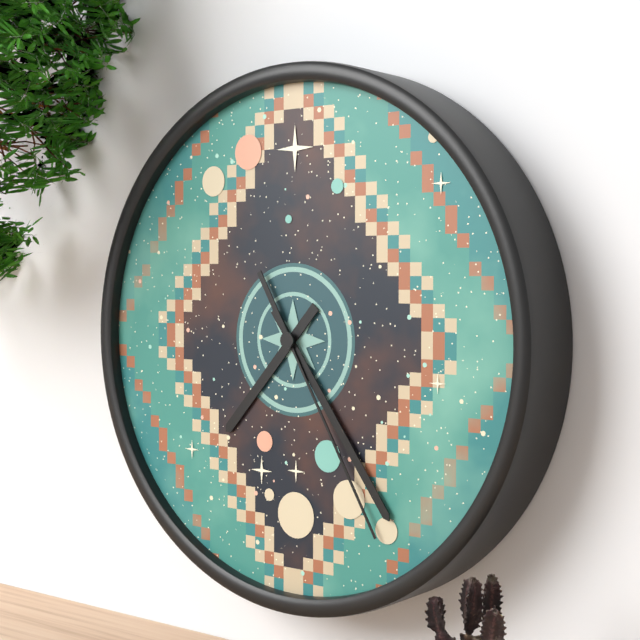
7:24:25
